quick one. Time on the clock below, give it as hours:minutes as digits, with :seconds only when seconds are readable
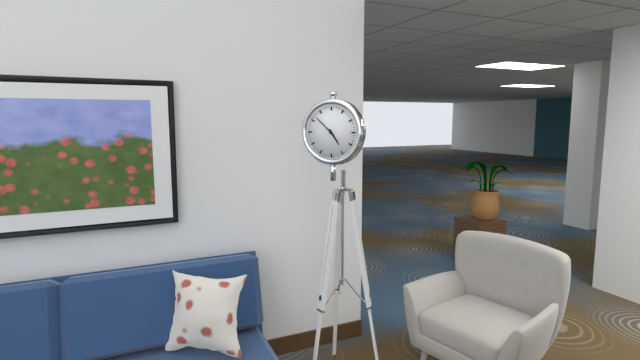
4:52
